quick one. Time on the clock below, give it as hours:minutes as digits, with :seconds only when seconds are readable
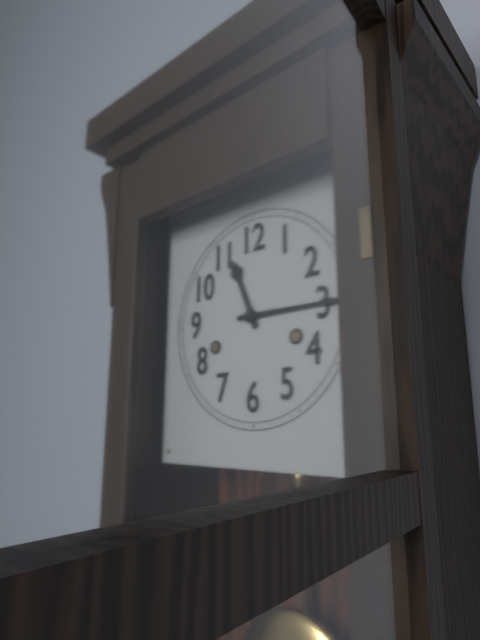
11:15
